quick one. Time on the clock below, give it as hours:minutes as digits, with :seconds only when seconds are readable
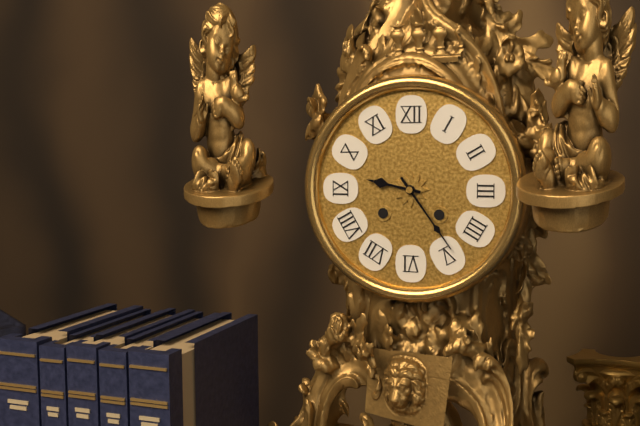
9:24
